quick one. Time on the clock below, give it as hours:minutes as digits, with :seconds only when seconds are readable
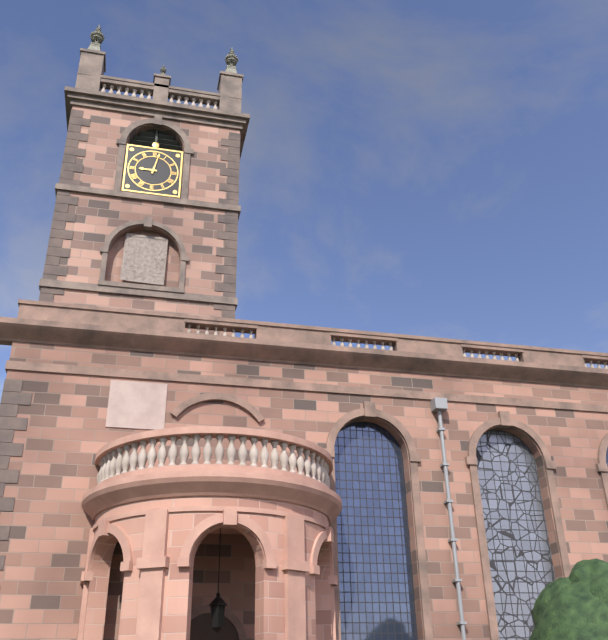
9:02
